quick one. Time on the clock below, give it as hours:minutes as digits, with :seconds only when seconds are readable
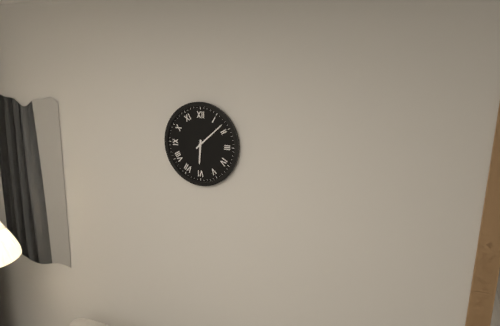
6:08
